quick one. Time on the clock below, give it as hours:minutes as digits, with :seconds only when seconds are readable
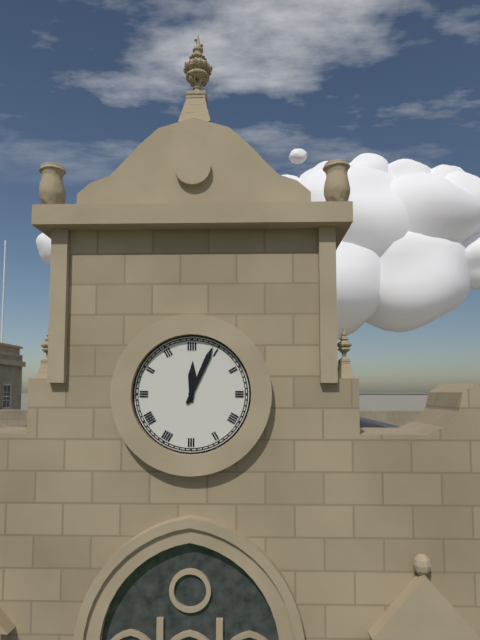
12:04
